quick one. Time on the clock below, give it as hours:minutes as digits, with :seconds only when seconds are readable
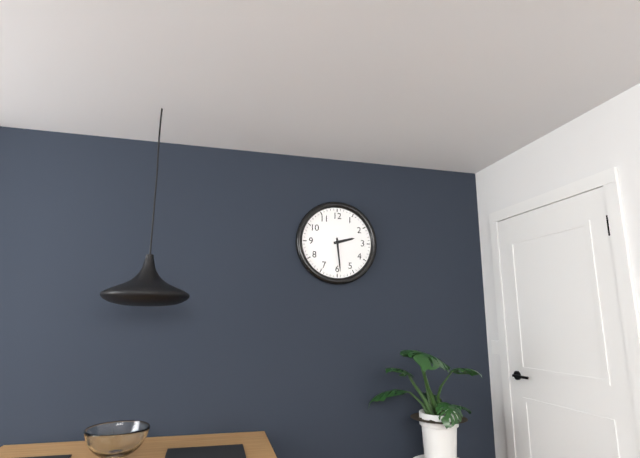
2:29
